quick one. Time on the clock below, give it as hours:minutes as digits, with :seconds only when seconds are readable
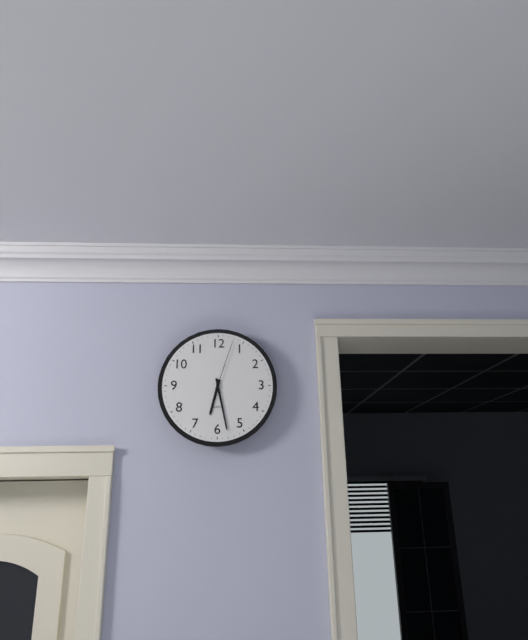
6:28:03
